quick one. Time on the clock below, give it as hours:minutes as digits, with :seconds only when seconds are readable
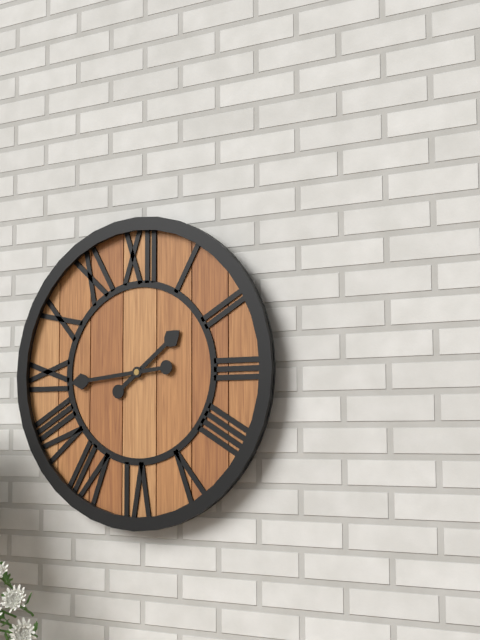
1:44
